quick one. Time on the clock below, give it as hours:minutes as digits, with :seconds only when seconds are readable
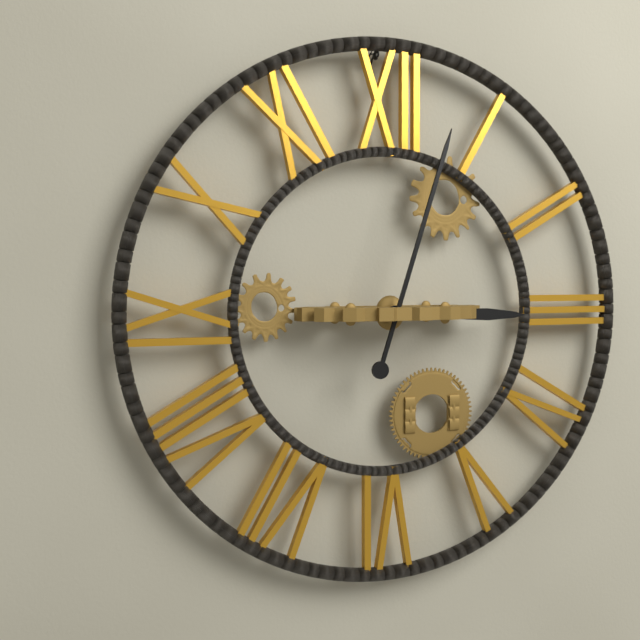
3:03
